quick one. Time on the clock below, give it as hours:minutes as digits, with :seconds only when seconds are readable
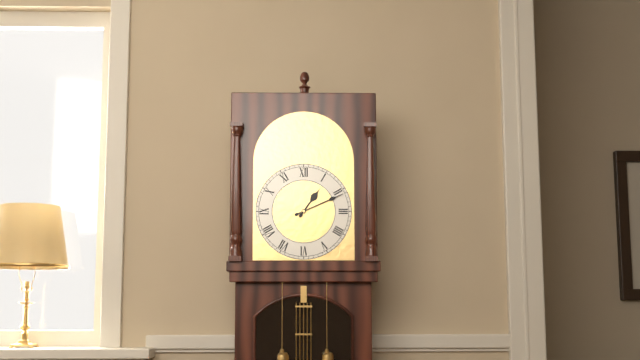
1:11
